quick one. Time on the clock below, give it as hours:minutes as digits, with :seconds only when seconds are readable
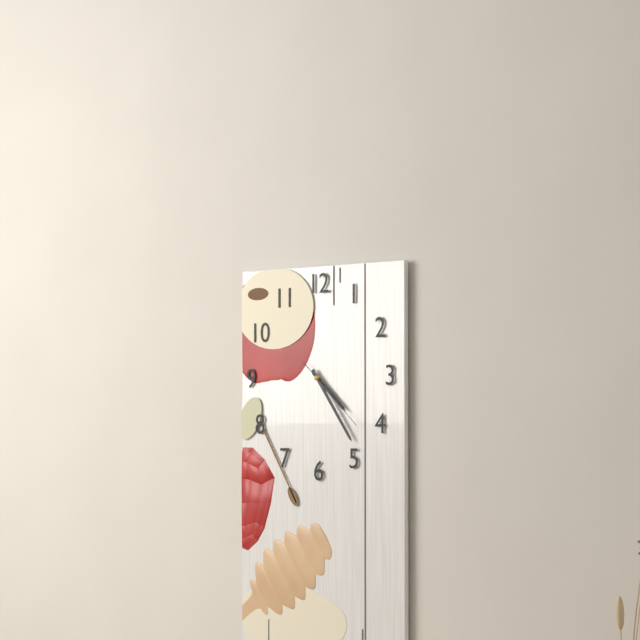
4:24:22
